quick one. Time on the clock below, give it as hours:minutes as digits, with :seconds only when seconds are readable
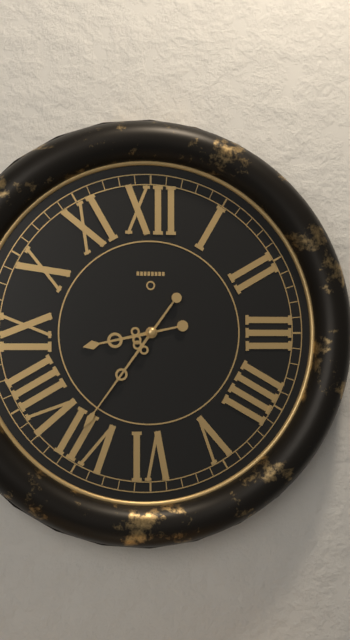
8:36
